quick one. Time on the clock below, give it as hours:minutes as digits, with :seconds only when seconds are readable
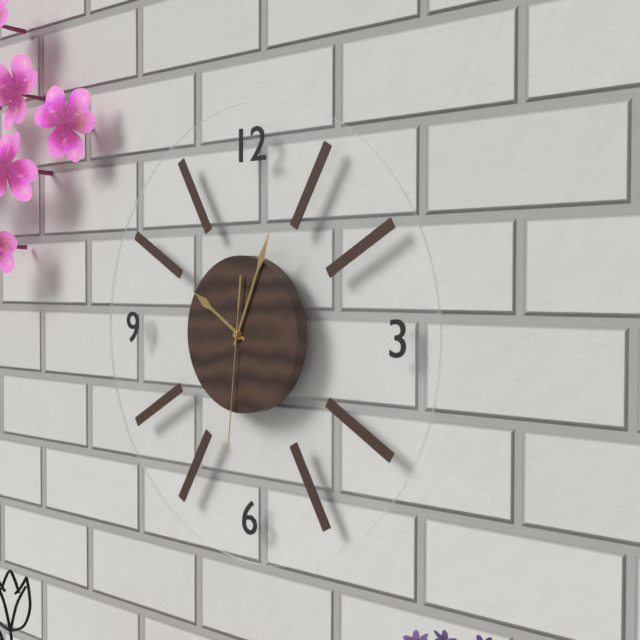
10:04:31
